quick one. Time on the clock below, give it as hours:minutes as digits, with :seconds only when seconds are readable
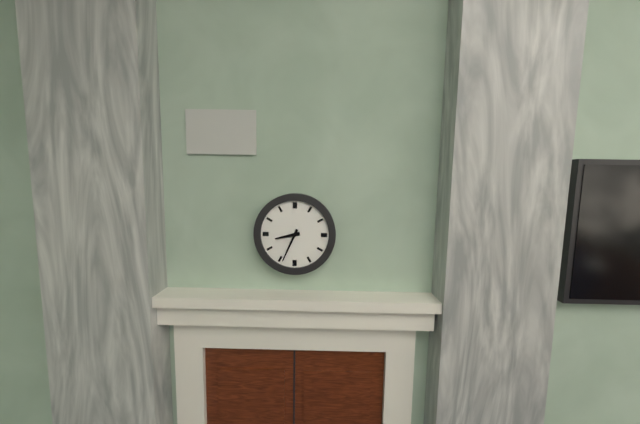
8:34
